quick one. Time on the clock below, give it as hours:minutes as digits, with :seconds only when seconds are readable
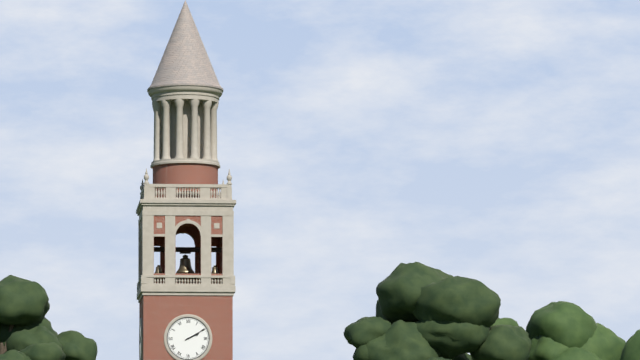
2:10
